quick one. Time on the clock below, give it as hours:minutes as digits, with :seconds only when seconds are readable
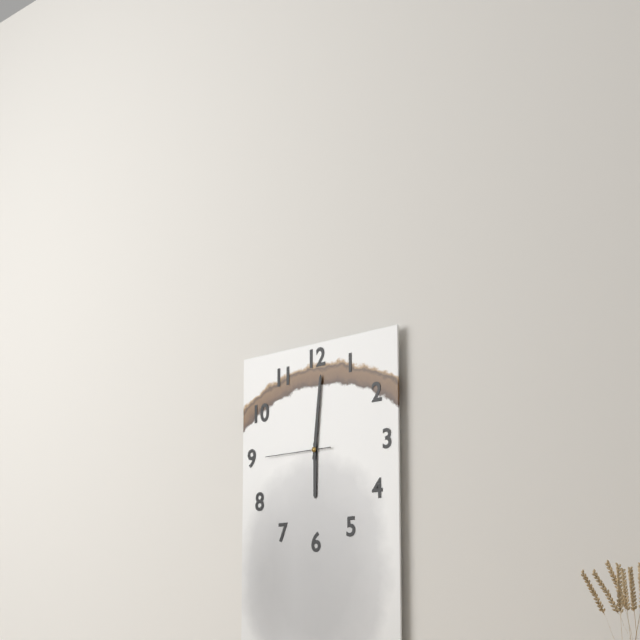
6:01:45
